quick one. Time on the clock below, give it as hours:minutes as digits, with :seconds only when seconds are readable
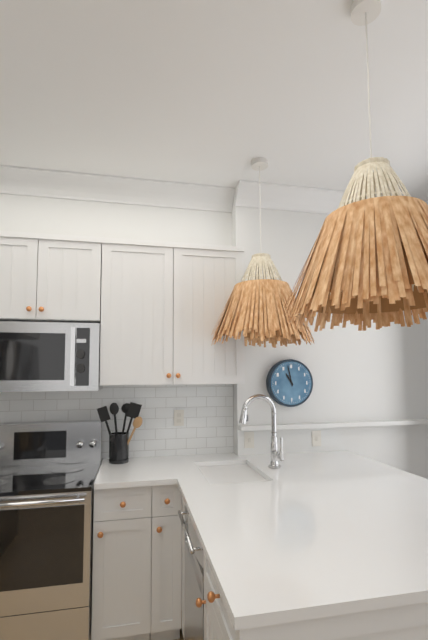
10:58
